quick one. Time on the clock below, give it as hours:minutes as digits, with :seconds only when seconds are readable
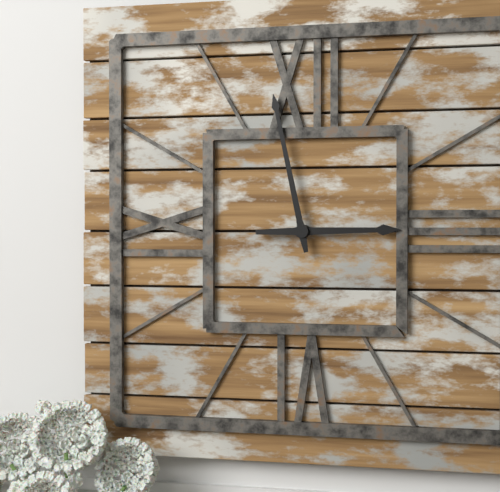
2:58
